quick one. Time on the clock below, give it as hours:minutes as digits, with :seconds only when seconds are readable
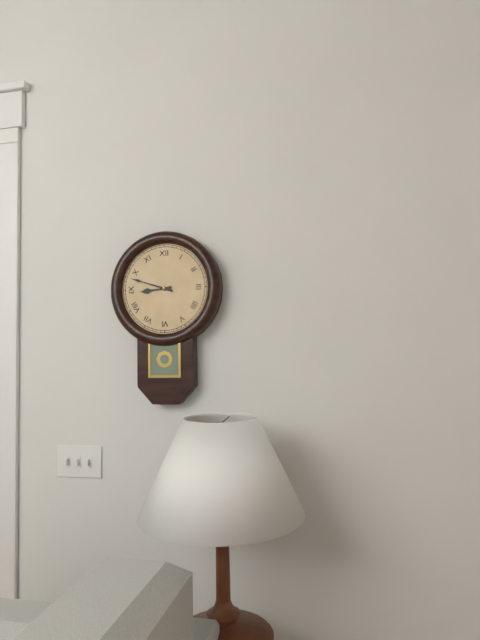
8:48
